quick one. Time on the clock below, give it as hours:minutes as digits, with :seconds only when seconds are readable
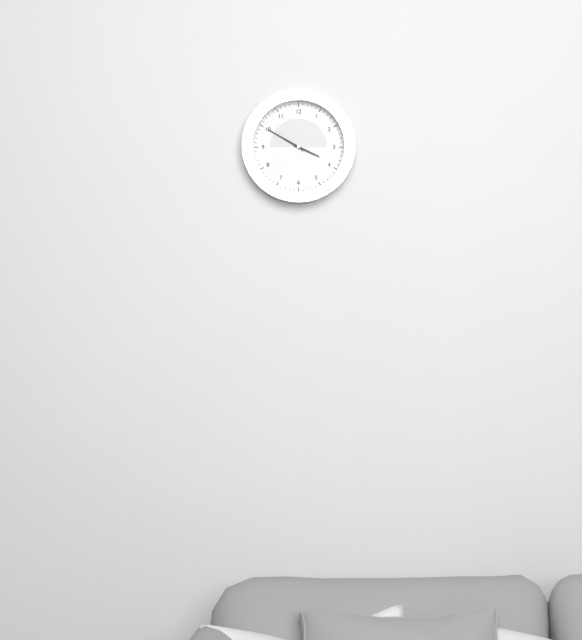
3:50
